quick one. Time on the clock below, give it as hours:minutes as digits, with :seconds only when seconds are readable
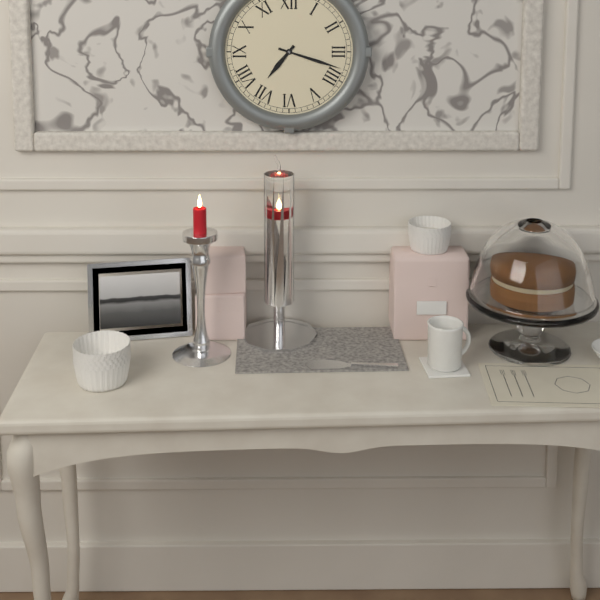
7:18
